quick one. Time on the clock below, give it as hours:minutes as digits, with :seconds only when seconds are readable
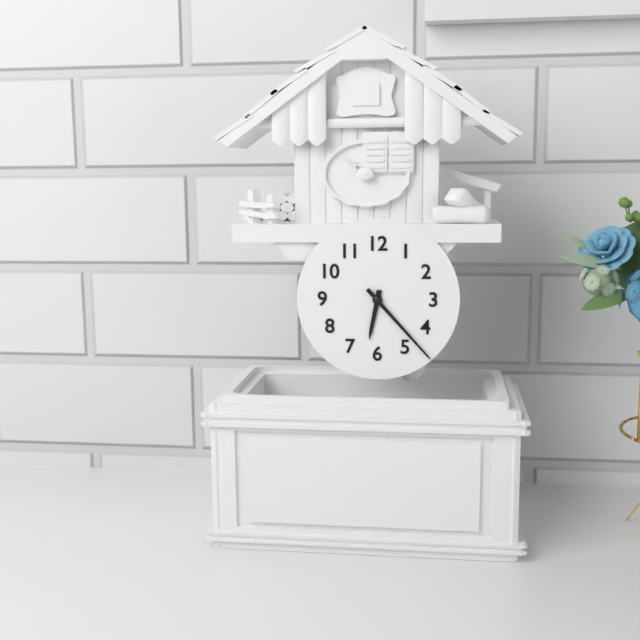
6:23
